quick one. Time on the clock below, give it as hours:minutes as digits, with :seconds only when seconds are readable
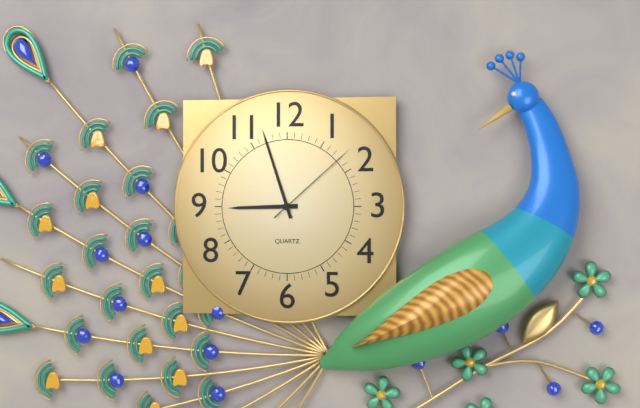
8:57:08
